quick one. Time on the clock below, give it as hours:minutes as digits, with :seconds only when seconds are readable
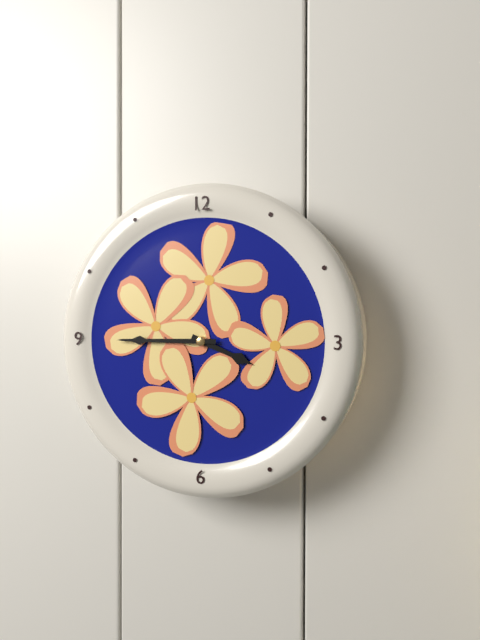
3:45
